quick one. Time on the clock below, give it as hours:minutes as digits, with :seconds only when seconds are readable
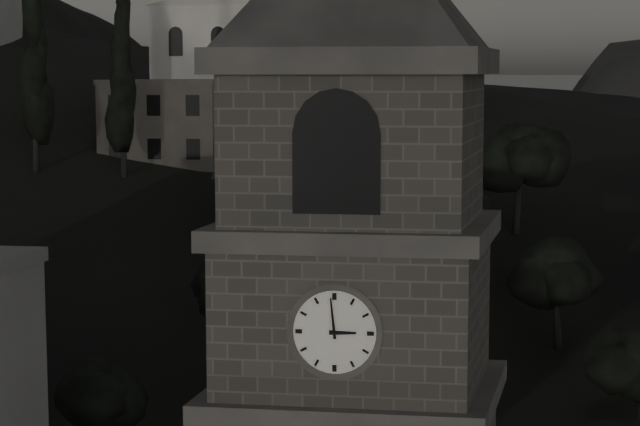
2:59
